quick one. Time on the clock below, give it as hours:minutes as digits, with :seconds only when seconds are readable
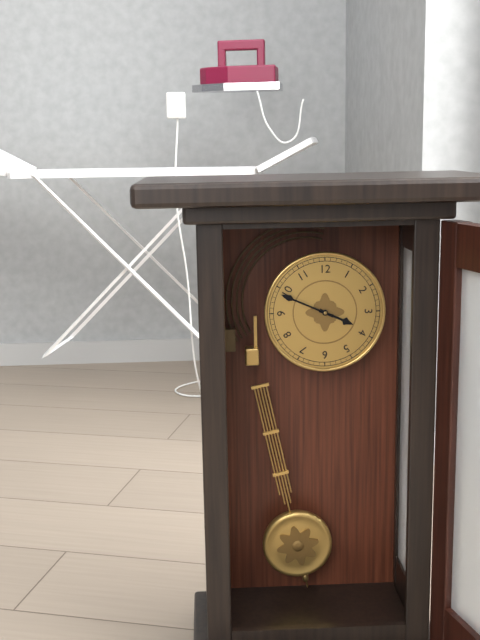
3:49
